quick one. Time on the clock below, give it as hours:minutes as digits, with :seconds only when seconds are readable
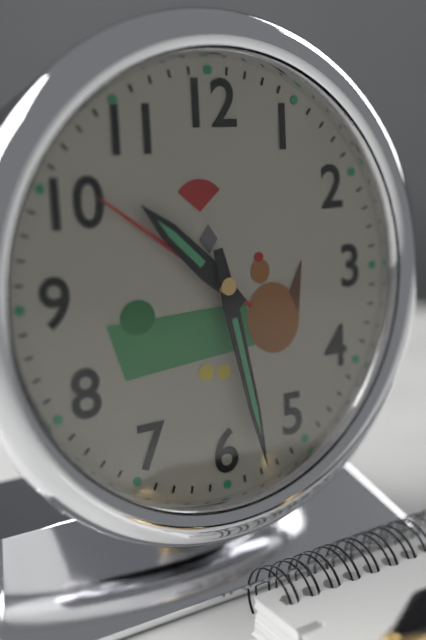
10:28
